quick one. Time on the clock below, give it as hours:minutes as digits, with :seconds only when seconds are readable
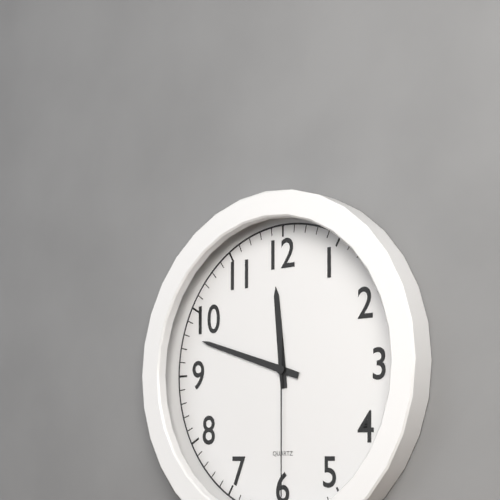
11:48:30
